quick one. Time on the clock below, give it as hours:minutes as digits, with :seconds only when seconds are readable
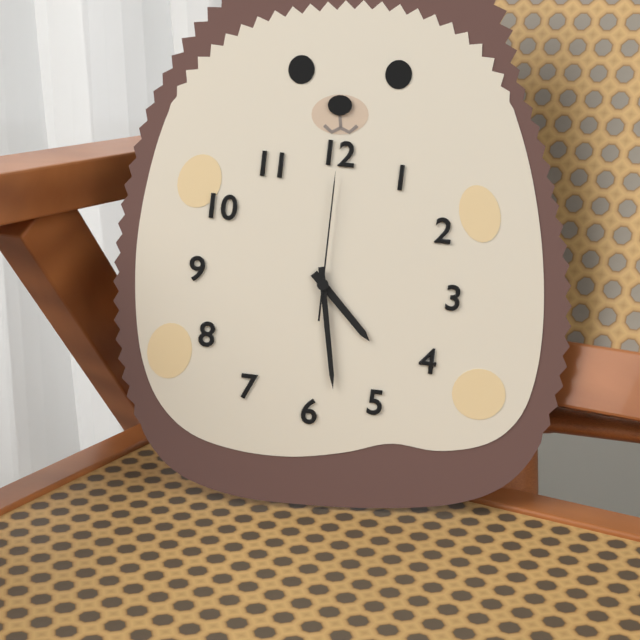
4:28:00
